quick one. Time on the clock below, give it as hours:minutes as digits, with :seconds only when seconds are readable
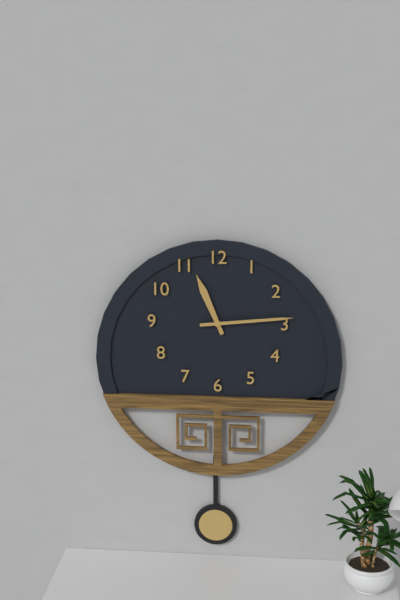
11:14
